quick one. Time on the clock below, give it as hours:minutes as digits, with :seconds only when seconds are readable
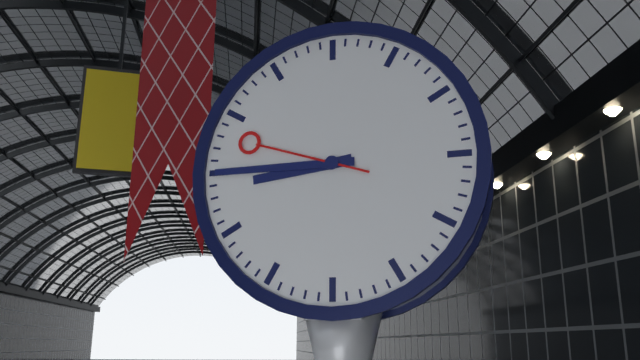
8:45:48
